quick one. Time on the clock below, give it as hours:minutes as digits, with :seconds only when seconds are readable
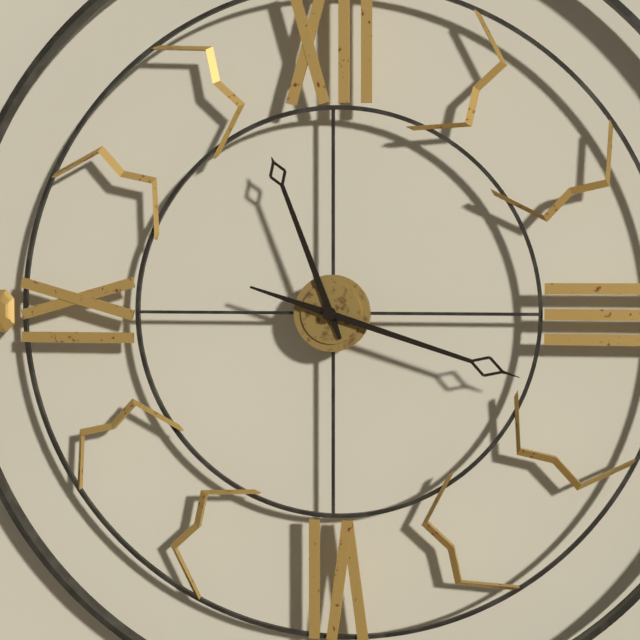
11:18
